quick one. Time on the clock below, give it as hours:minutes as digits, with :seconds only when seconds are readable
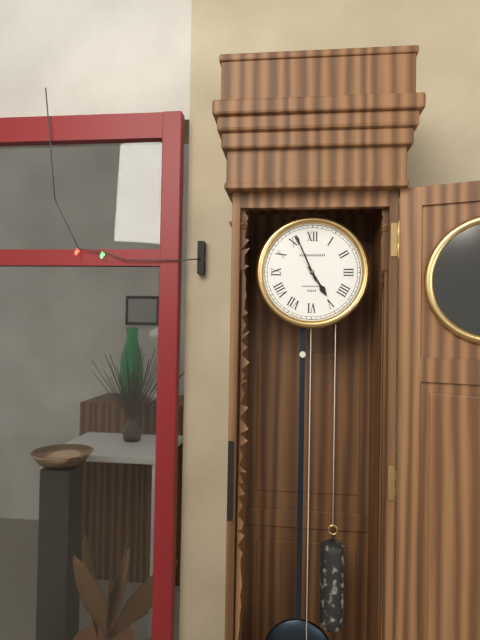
4:56
